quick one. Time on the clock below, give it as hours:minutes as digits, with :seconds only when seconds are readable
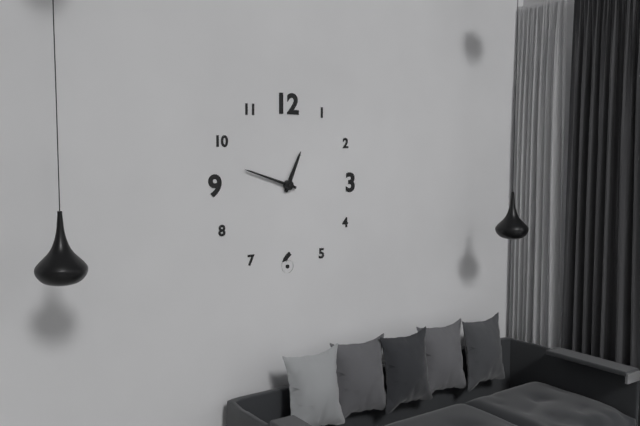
12:48
